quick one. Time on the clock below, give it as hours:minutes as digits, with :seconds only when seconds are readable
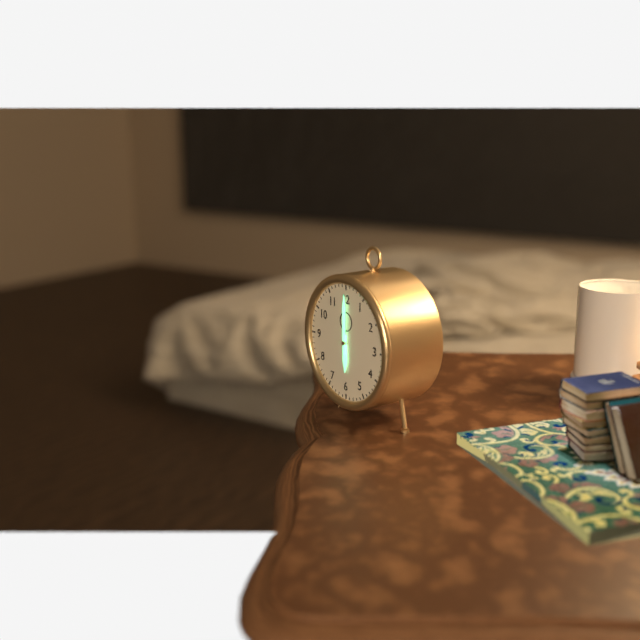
6:00
